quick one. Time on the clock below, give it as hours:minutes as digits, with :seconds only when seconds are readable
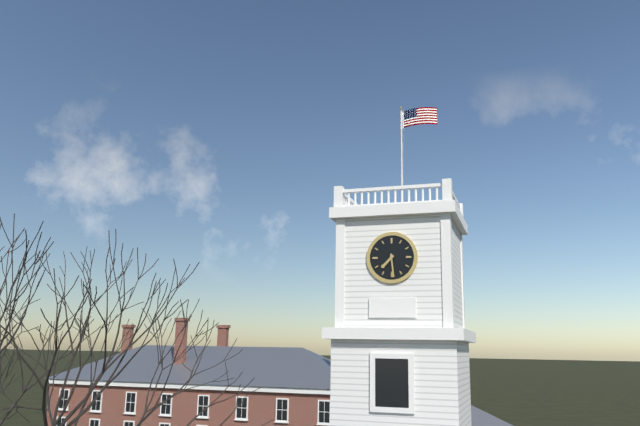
7:29
